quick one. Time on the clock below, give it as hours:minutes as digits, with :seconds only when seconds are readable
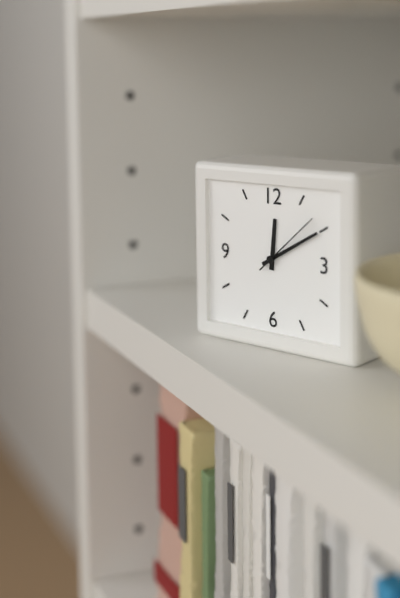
12:10:08
